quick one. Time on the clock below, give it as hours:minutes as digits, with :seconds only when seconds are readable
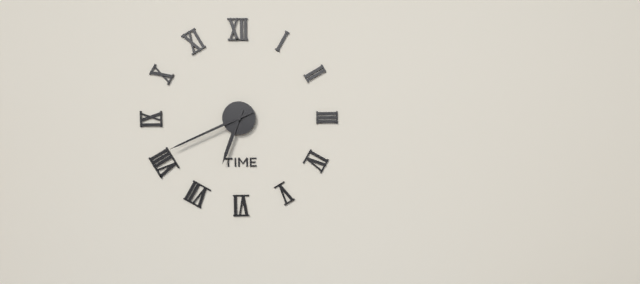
6:41
